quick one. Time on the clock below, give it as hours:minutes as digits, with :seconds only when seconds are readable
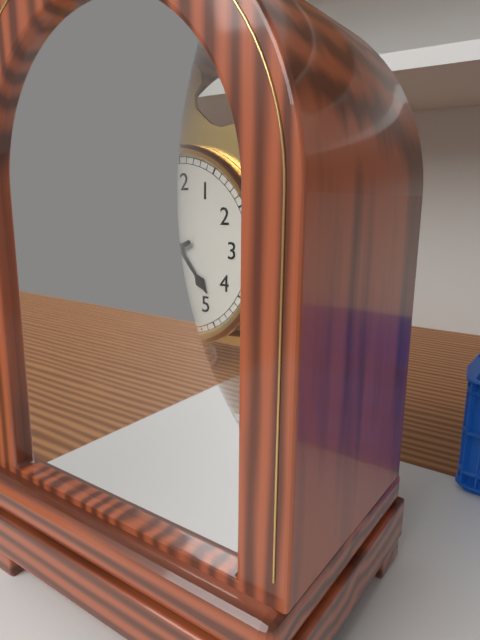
4:41
